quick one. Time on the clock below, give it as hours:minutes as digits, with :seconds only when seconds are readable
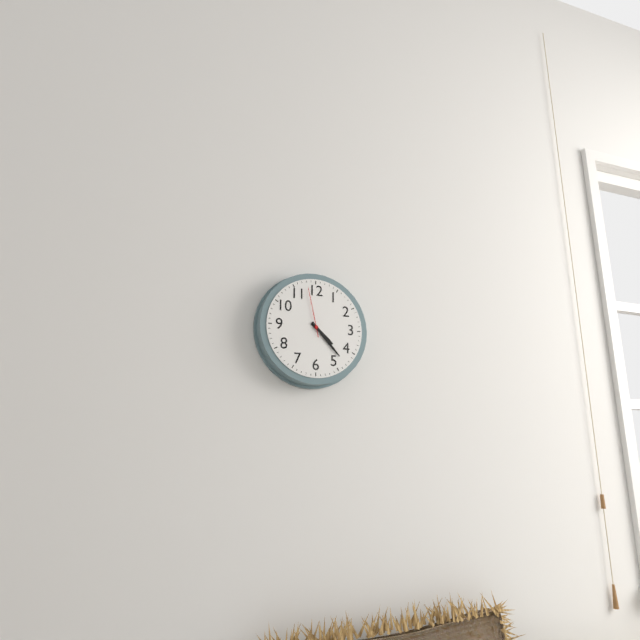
4:23:58
